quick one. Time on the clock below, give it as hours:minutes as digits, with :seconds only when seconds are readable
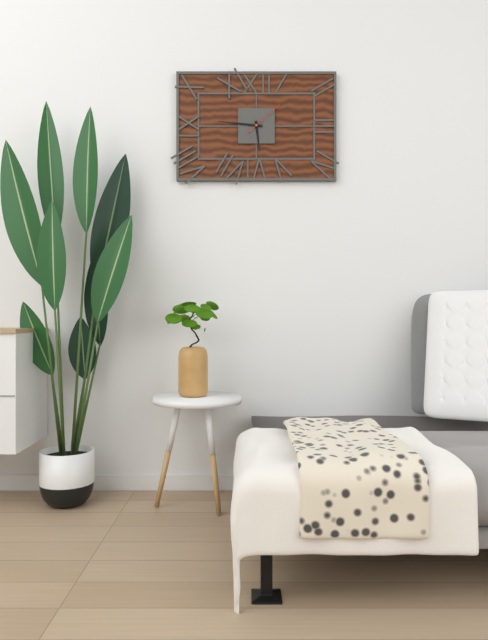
5:46
